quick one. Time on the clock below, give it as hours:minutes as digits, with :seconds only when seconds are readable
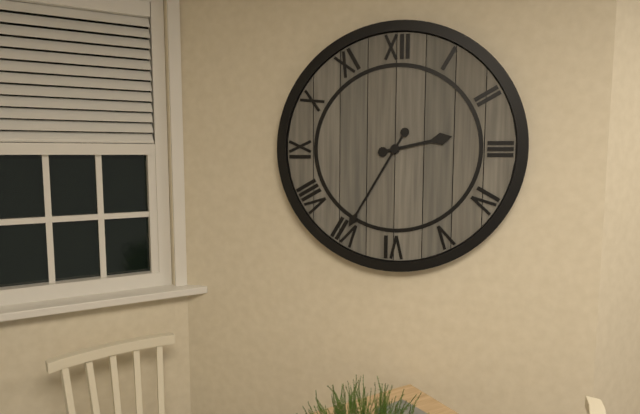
2:35
